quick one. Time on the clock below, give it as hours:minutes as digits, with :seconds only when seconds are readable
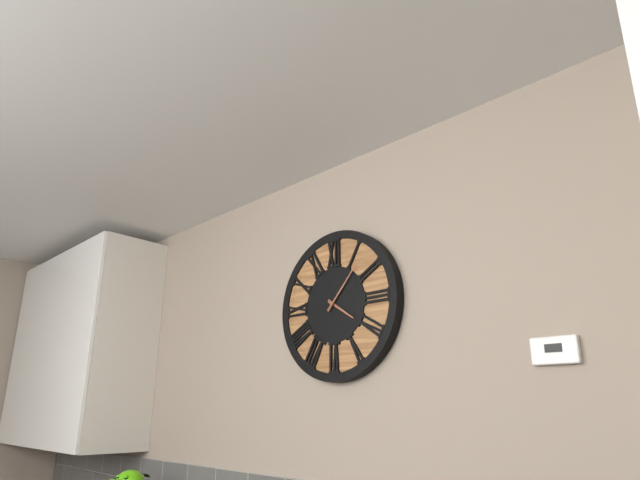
4:07
